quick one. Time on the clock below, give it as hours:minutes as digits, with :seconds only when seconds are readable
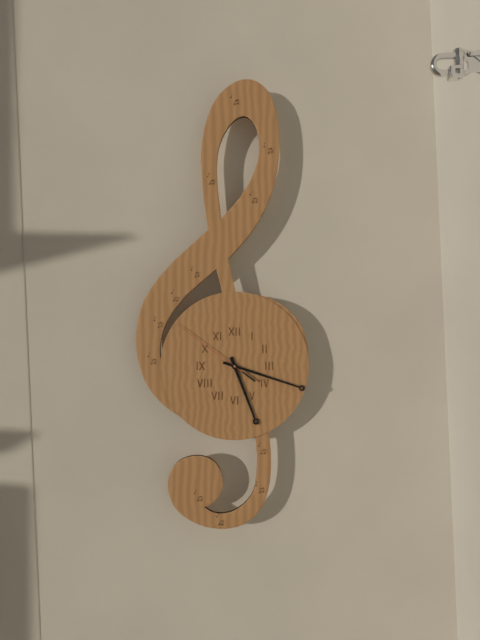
5:18:51
